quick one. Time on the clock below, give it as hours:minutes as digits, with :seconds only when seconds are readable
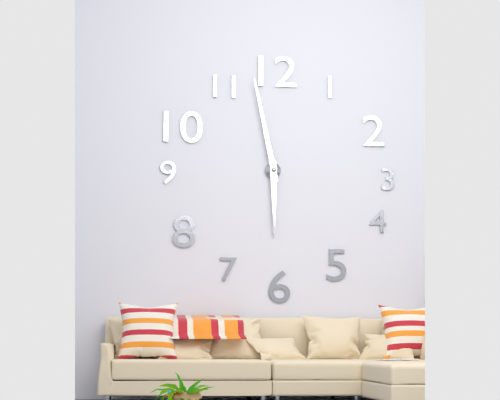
5:58
